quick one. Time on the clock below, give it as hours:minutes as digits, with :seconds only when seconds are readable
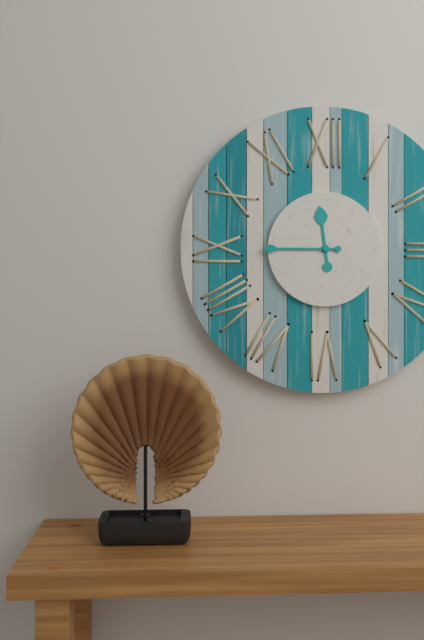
11:45
